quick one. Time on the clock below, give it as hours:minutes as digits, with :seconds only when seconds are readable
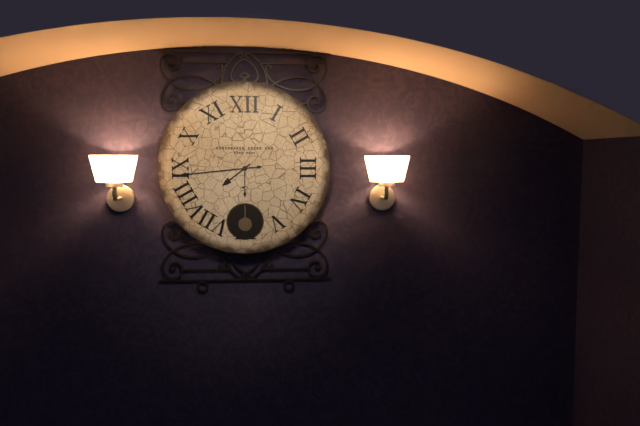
7:44
